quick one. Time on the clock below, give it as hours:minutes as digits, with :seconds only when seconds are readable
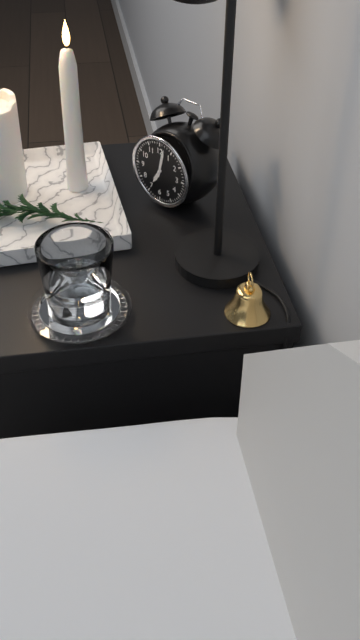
7:02
